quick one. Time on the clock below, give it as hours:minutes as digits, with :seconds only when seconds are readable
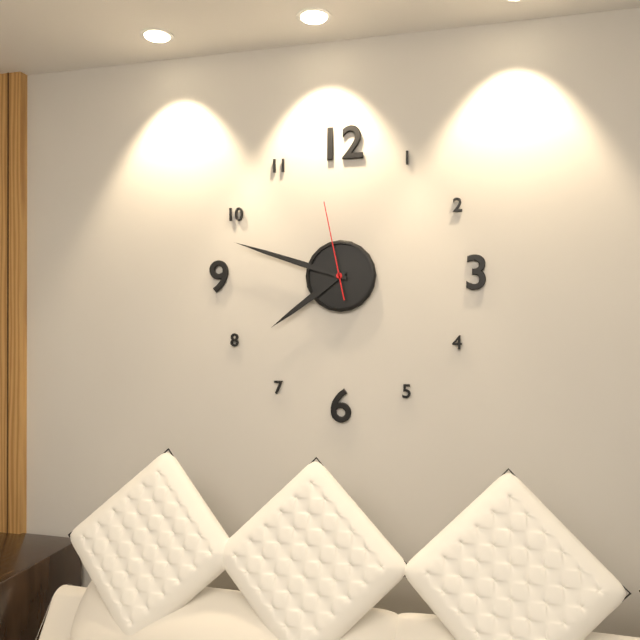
7:48:58
